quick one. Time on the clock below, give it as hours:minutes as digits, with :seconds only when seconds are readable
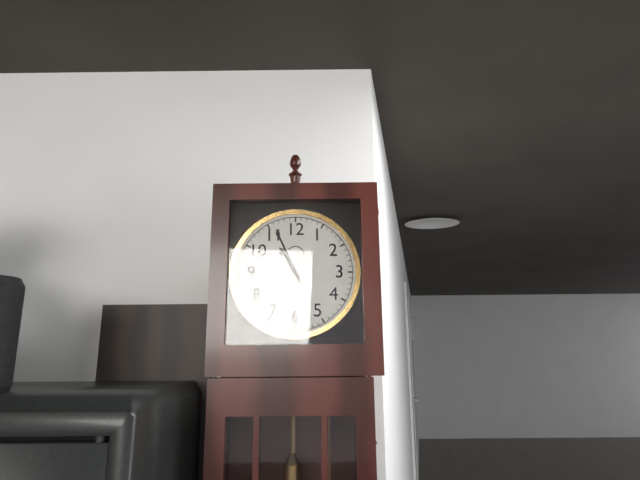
10:56
